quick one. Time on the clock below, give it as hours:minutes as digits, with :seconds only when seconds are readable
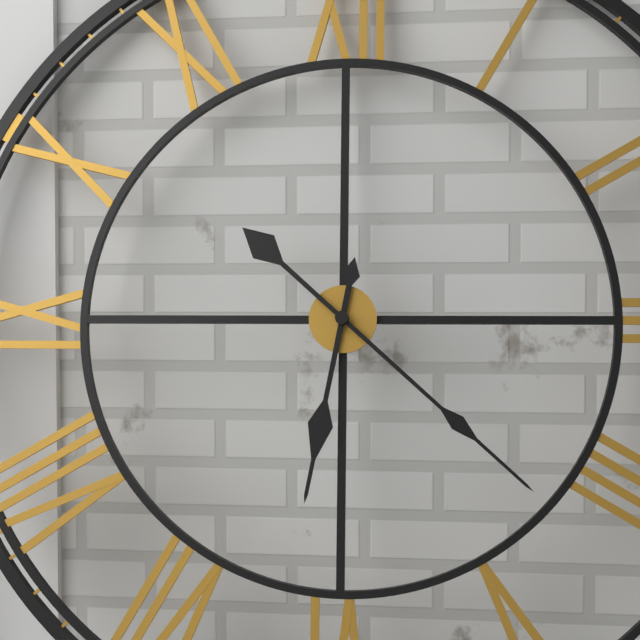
6:22
